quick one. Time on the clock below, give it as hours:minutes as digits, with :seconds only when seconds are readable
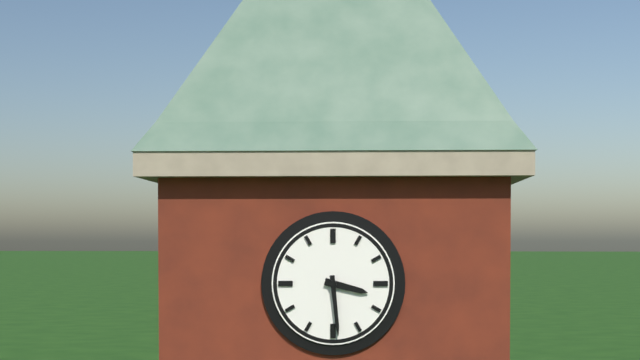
3:29
